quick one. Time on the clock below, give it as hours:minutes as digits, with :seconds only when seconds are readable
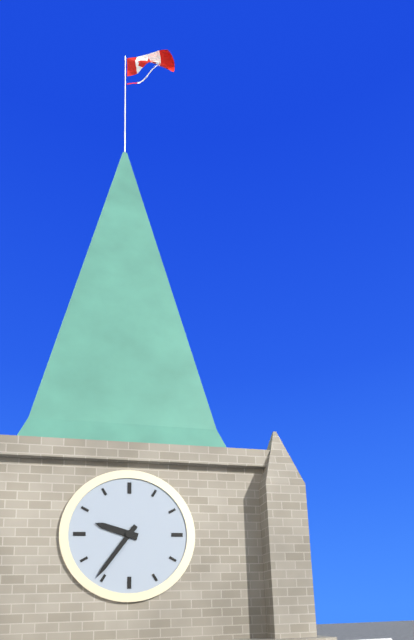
9:36
